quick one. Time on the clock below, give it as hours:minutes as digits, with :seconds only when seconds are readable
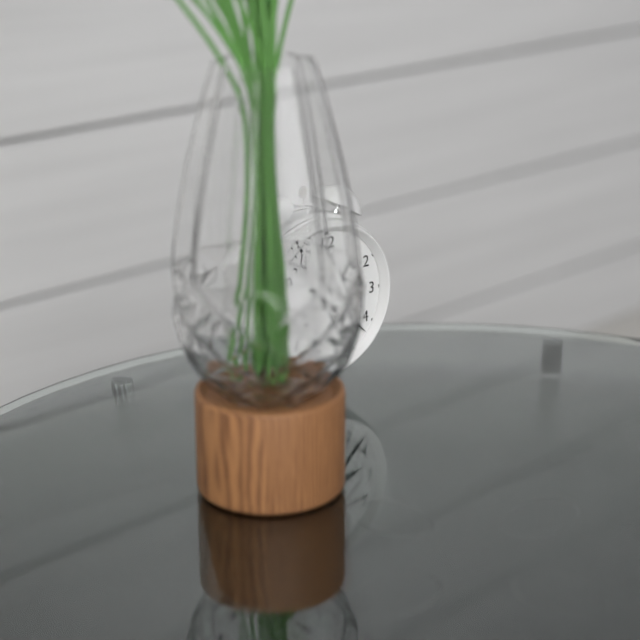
3:22
